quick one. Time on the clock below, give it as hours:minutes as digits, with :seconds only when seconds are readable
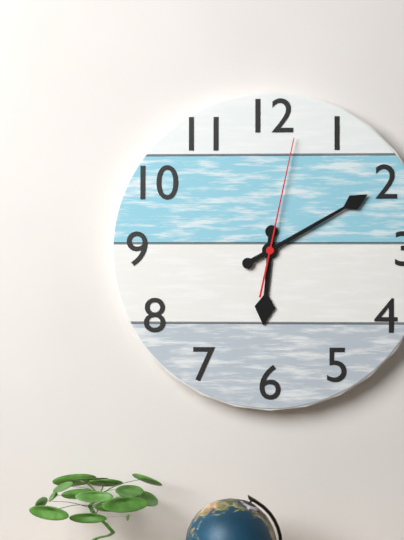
6:10:02
